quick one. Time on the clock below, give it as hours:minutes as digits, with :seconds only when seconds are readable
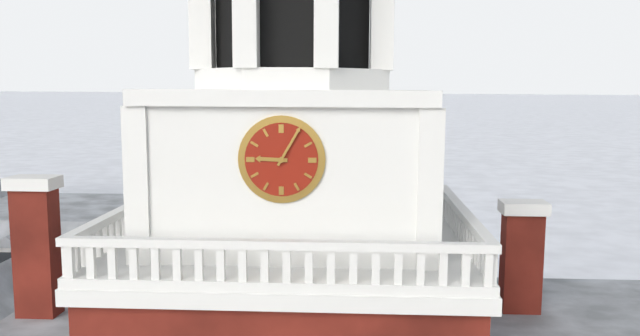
9:05
